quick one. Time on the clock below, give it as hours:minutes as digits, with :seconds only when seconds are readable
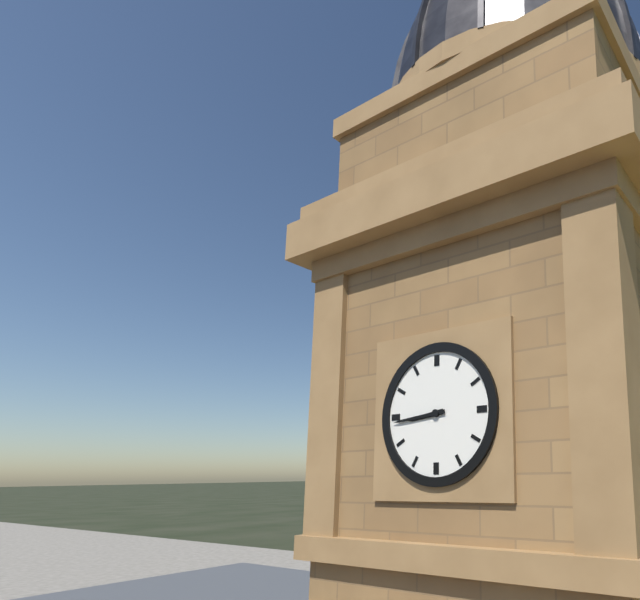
8:44
